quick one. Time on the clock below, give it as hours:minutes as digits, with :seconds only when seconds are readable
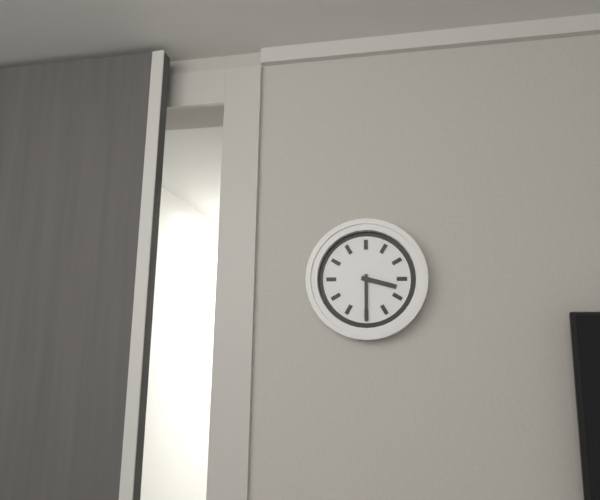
3:30
